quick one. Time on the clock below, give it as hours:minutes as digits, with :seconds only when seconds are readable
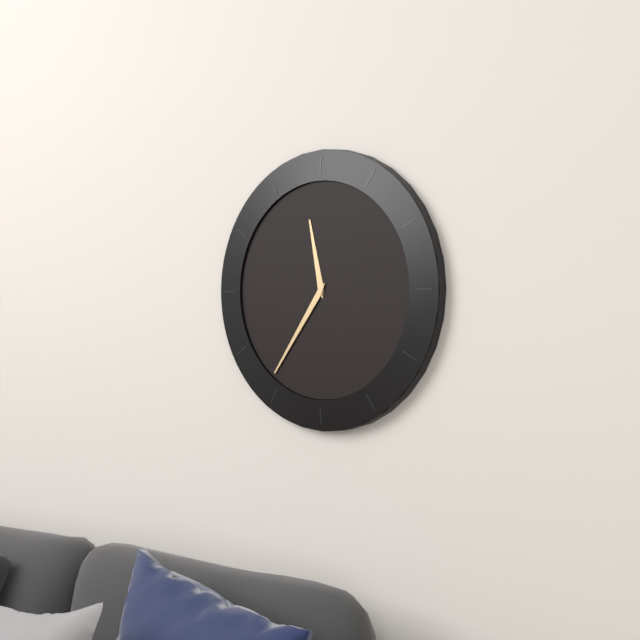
11:36
